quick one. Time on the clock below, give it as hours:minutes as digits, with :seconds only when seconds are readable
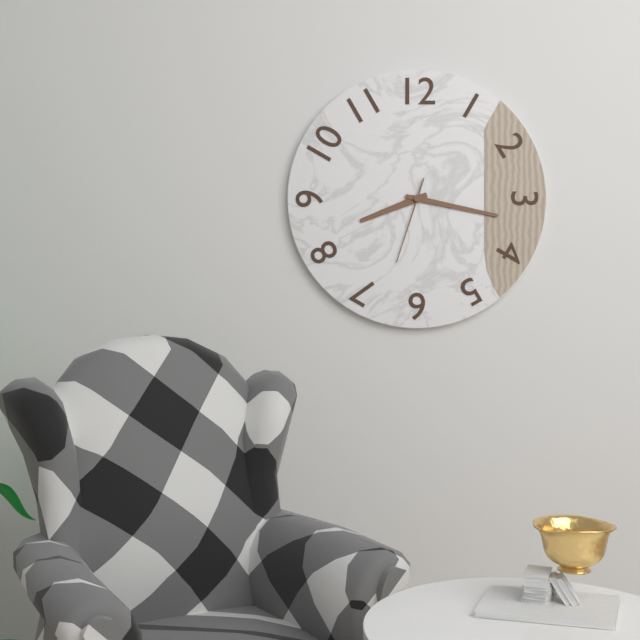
8:17:33
